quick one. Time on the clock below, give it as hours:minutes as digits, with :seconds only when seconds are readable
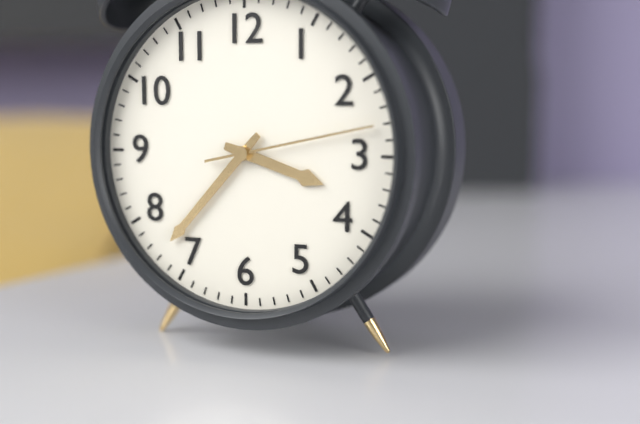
3:37:13
